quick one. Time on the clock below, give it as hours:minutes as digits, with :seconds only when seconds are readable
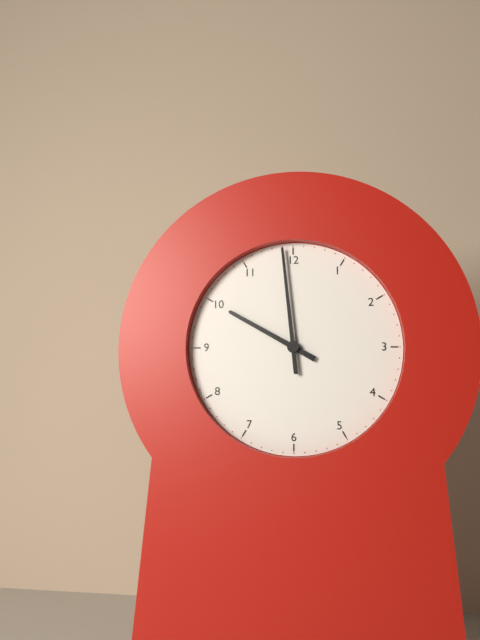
9:59
